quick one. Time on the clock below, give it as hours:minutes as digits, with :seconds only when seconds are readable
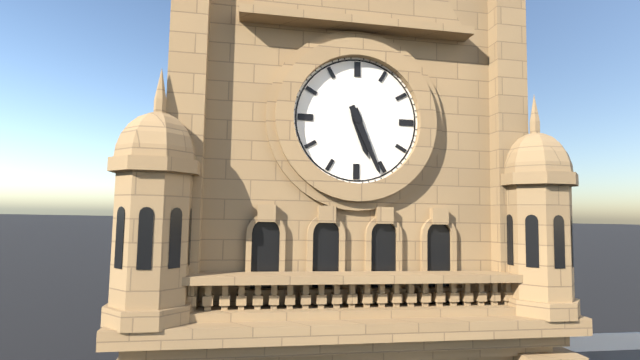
5:26
